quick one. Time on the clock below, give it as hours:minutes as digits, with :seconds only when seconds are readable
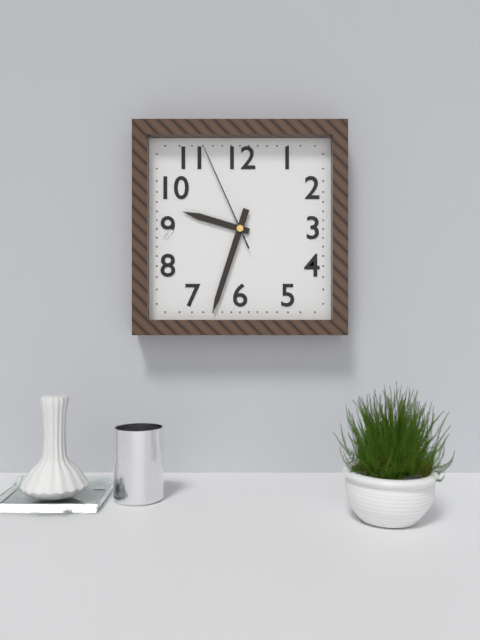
9:33:56
